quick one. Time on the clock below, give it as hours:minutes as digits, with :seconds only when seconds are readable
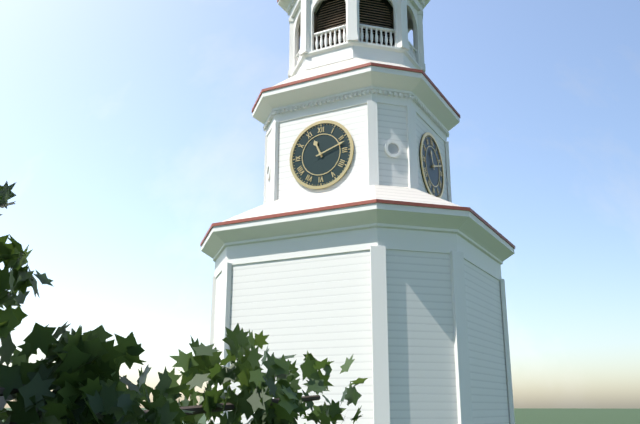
11:12
